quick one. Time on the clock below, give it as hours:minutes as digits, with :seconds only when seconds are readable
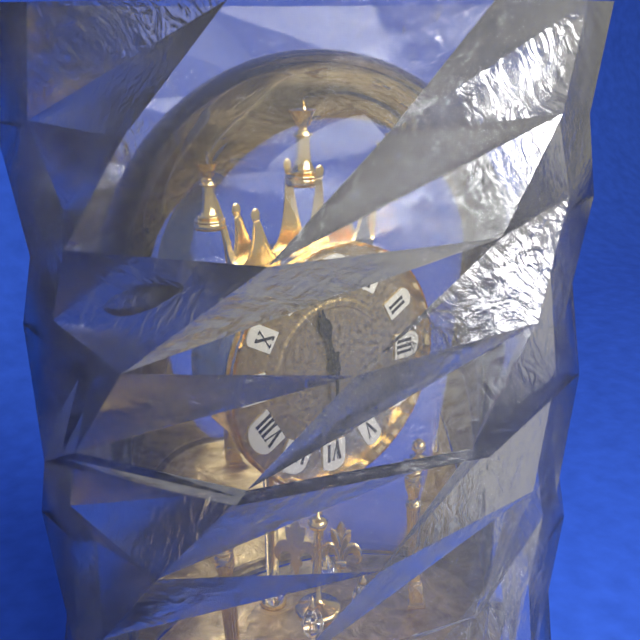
11:30
